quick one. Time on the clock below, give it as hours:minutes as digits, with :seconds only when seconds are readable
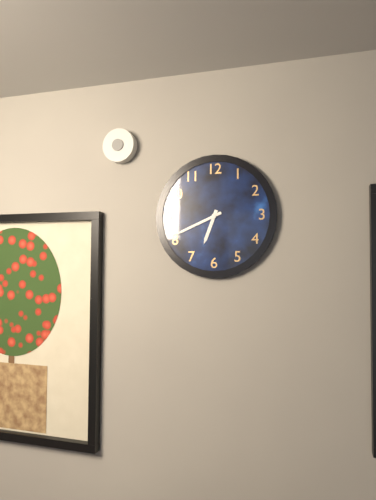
6:41
